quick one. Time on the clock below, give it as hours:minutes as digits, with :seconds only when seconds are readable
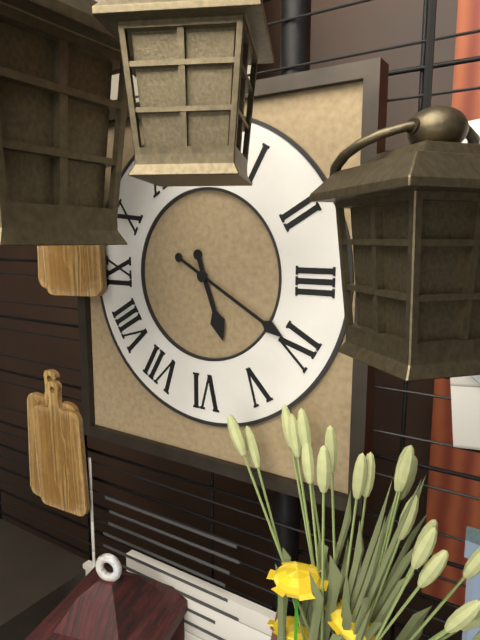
5:20
